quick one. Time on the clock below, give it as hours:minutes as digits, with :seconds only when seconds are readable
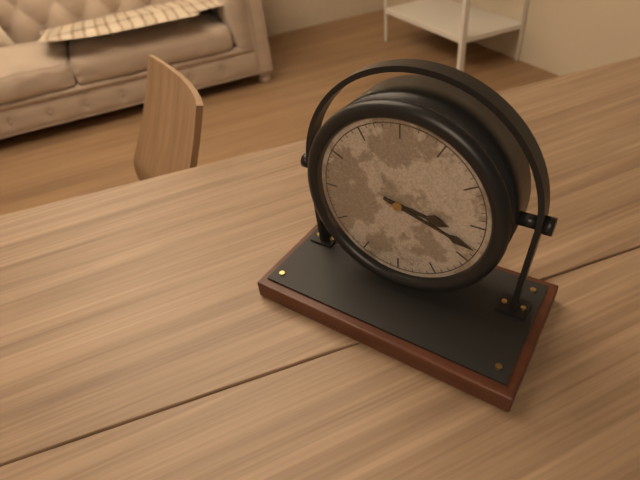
3:18
